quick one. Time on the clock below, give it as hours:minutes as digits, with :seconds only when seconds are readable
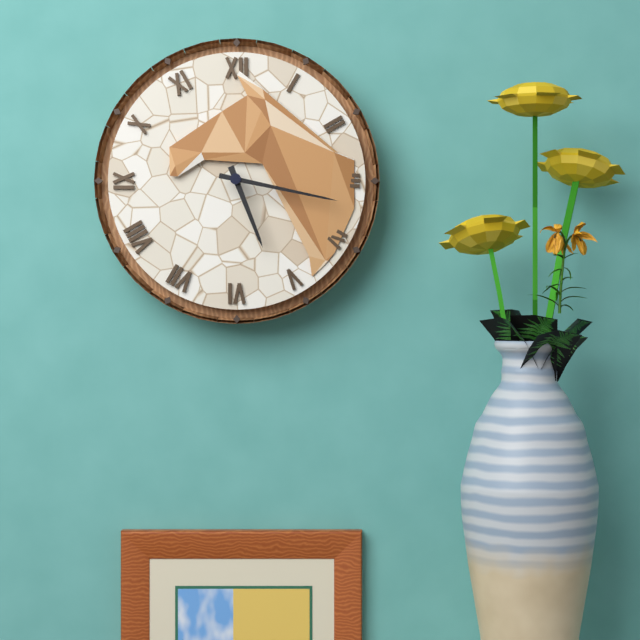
5:17
